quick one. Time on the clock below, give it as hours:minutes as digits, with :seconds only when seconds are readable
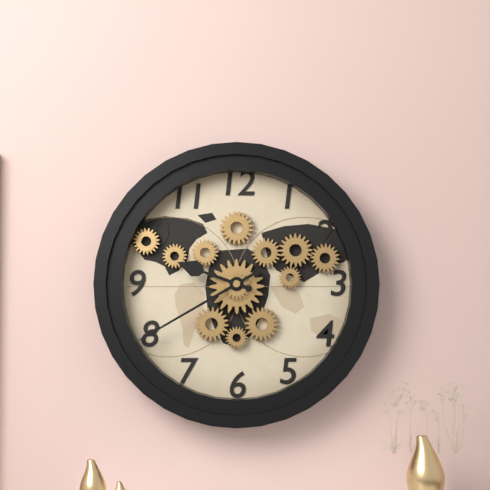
9:40
